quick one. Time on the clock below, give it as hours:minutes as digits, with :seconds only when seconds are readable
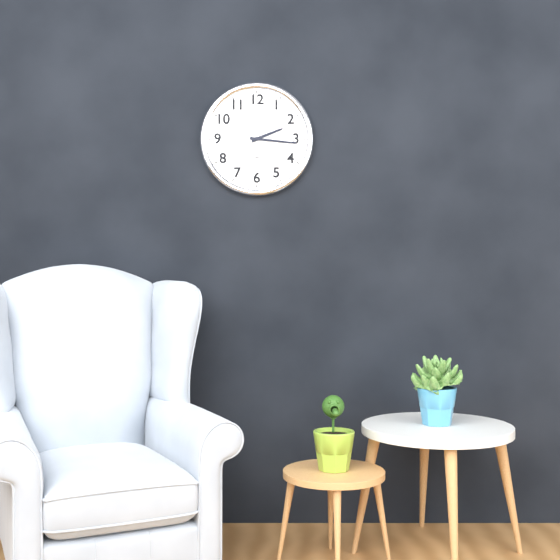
2:16
